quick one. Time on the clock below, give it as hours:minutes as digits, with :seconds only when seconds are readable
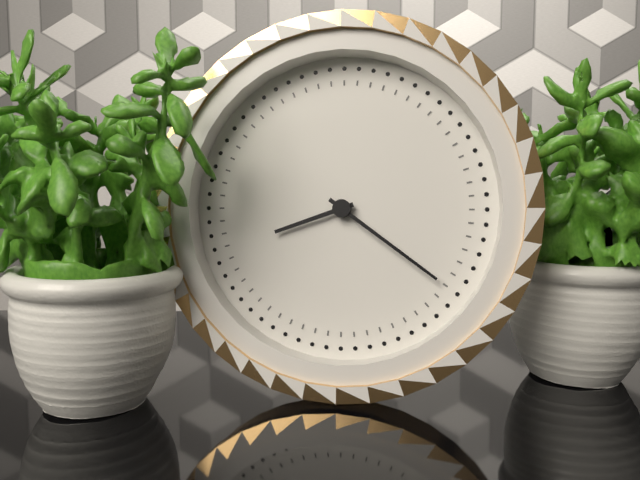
8:21
